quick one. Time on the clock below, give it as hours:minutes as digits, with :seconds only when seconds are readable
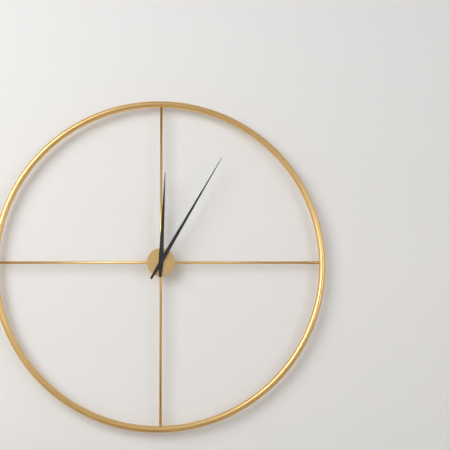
12:05
